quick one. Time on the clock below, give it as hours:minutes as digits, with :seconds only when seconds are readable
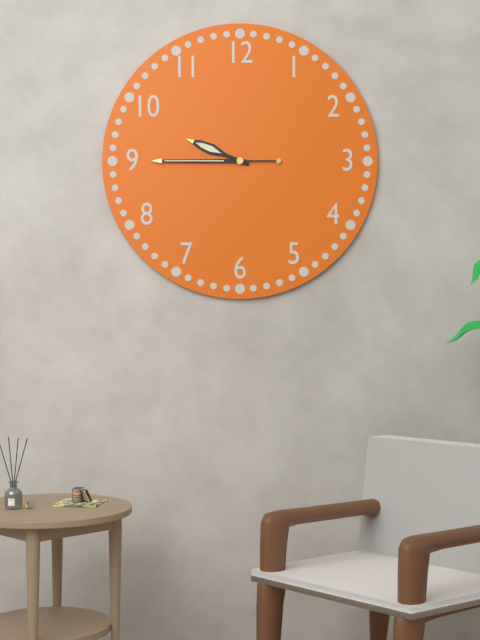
9:45
